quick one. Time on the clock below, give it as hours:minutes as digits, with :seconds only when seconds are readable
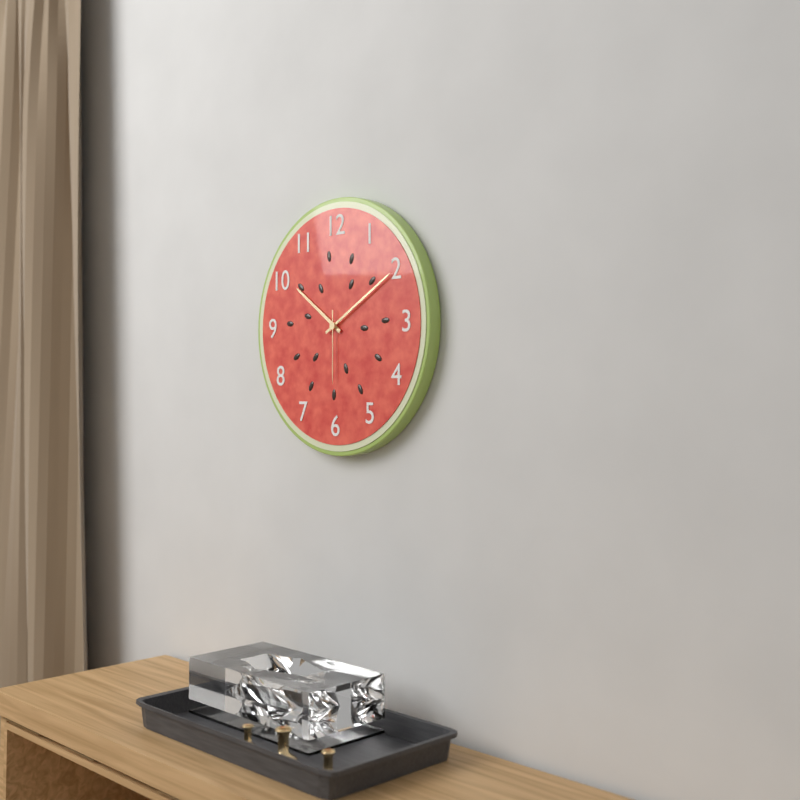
10:10:30
